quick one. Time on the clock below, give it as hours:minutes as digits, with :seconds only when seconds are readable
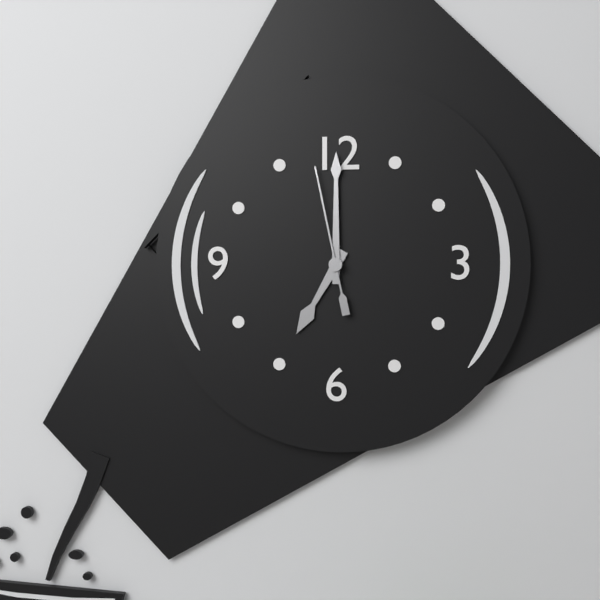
7:00:58
